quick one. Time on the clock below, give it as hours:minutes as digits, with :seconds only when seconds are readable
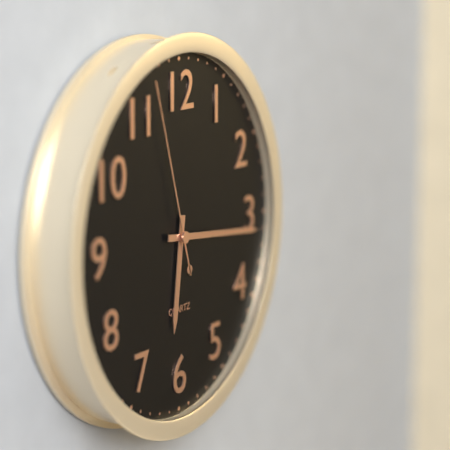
6:16:57
